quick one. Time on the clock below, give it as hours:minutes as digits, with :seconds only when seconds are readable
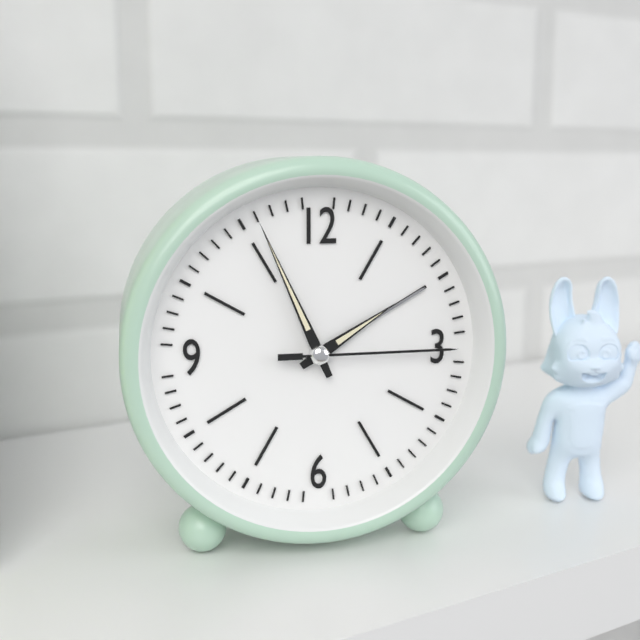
1:56:15
